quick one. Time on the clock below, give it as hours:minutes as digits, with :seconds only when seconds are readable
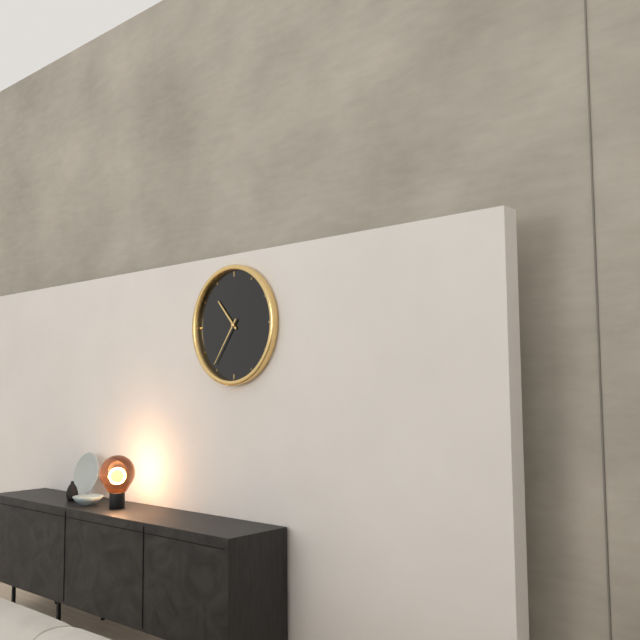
10:36
